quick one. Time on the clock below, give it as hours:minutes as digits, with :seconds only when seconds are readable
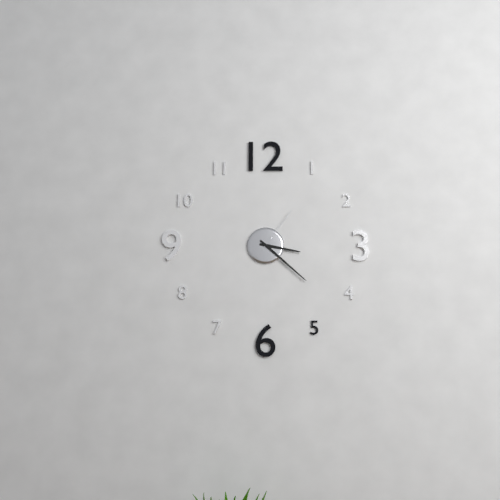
3:22:06
